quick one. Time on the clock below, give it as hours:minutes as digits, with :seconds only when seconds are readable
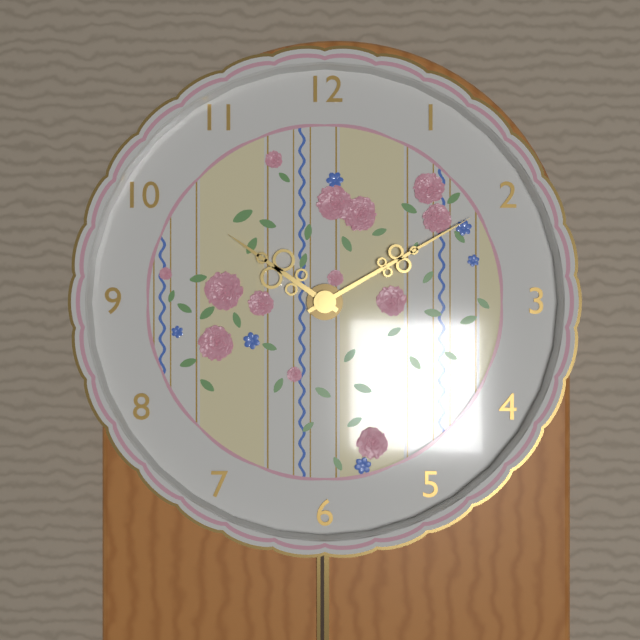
10:10
